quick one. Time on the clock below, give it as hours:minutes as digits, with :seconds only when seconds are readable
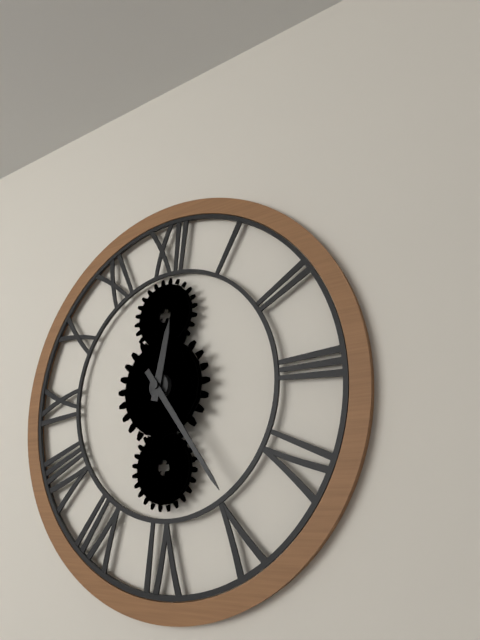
12:24
